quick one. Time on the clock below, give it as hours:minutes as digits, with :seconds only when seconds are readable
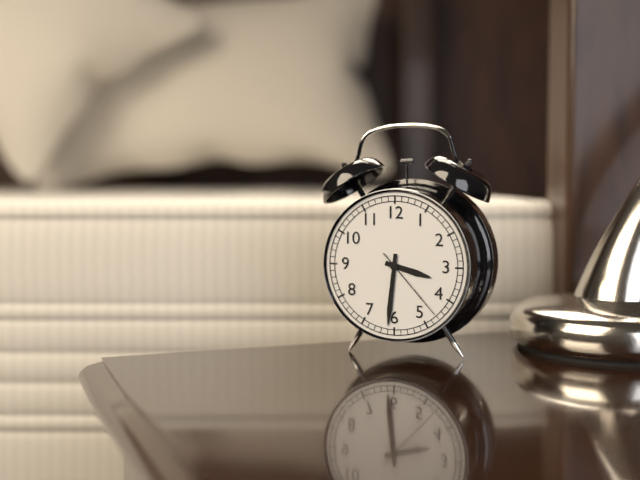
3:31:23
